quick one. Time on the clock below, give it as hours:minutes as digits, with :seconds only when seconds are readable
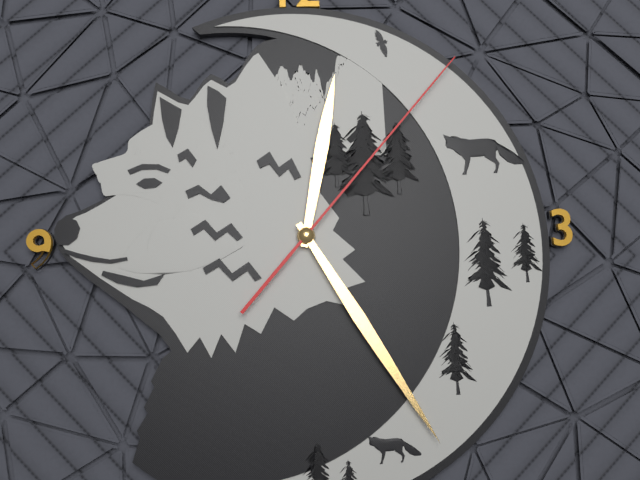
12:25:07
